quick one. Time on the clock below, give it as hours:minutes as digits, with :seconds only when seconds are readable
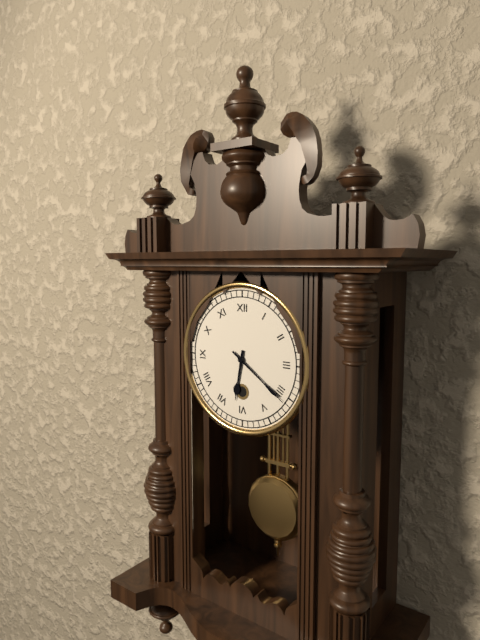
6:21
